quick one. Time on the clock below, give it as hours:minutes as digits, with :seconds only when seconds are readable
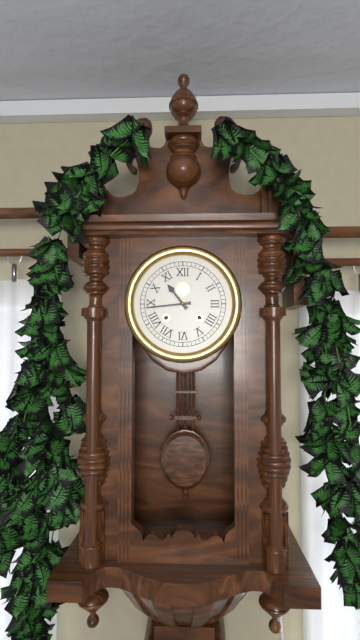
10:44
